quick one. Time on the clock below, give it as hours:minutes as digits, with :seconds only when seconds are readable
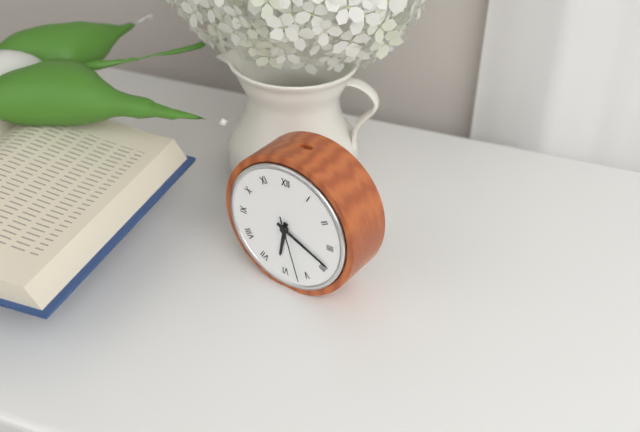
6:19:27
